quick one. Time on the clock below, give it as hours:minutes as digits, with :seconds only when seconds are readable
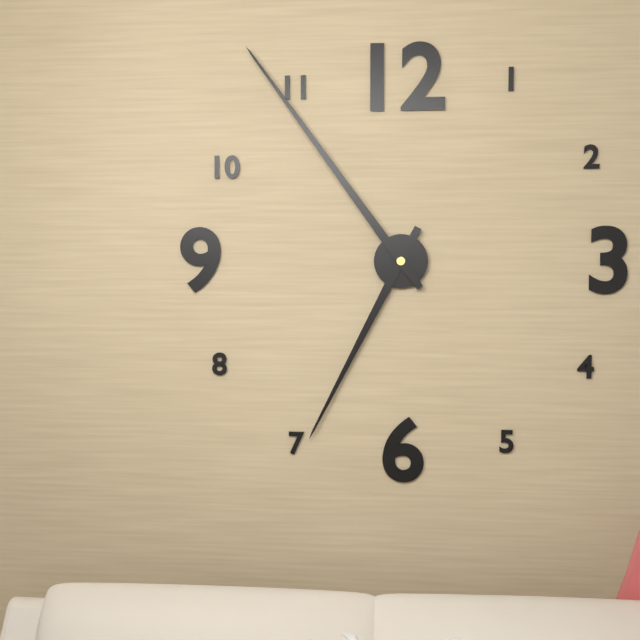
6:54
